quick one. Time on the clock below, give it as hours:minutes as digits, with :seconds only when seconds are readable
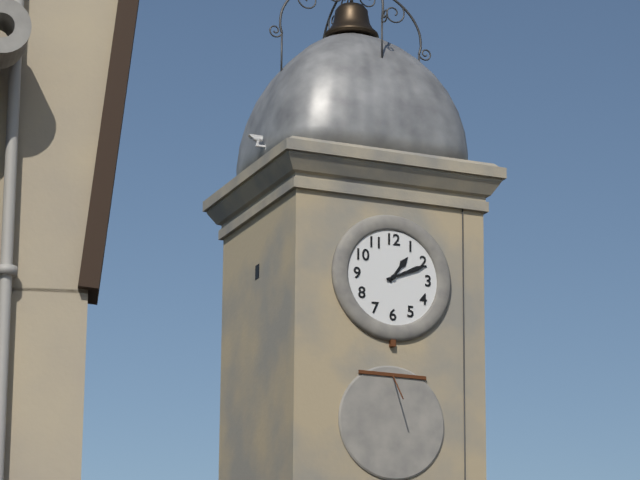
1:11
